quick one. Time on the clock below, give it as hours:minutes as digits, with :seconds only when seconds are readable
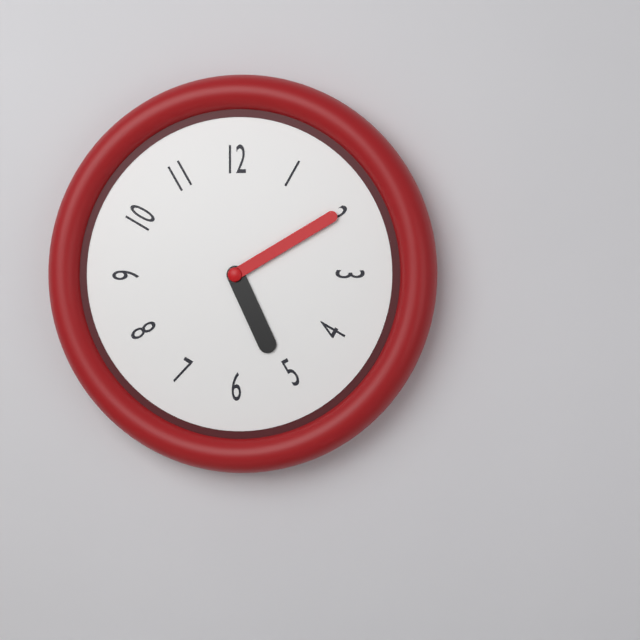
5:10
